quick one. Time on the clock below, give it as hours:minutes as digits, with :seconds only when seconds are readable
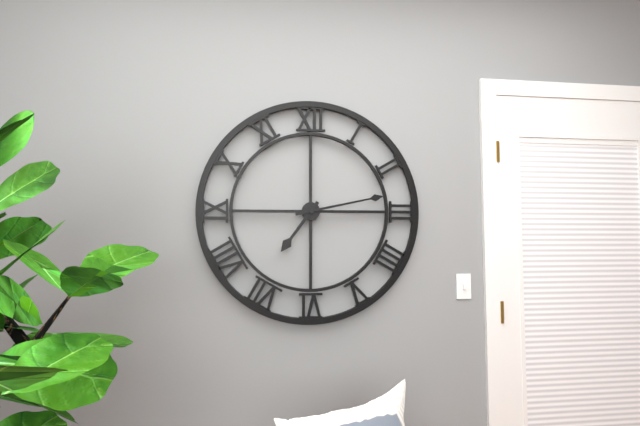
7:13
